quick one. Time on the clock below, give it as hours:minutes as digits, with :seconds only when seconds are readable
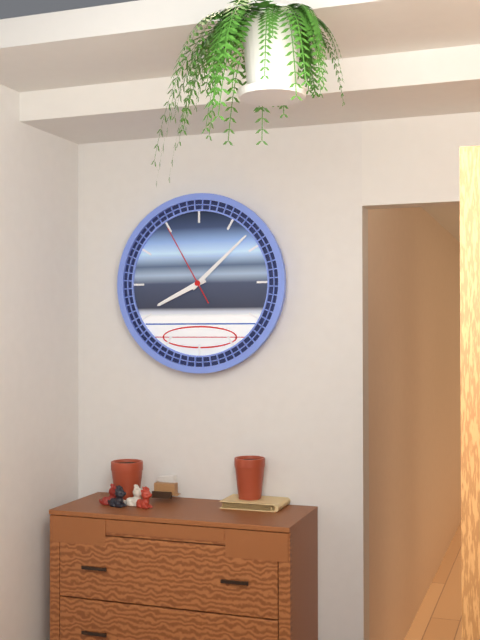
8:08:55
